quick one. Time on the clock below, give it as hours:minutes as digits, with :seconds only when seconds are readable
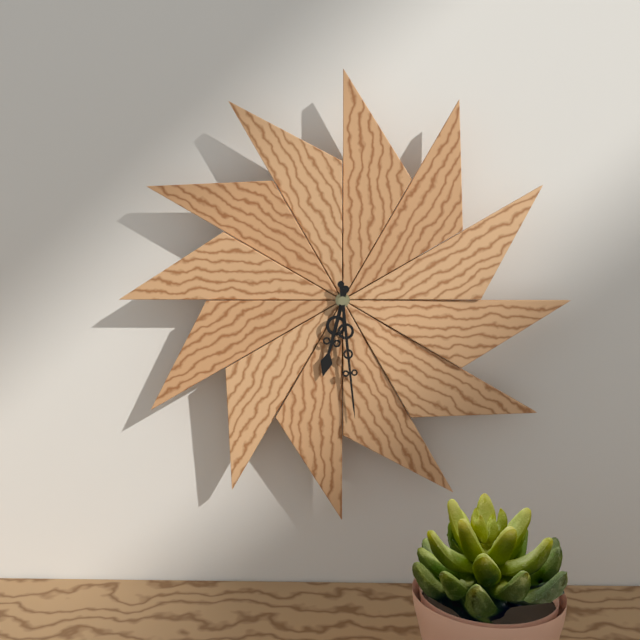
6:29
